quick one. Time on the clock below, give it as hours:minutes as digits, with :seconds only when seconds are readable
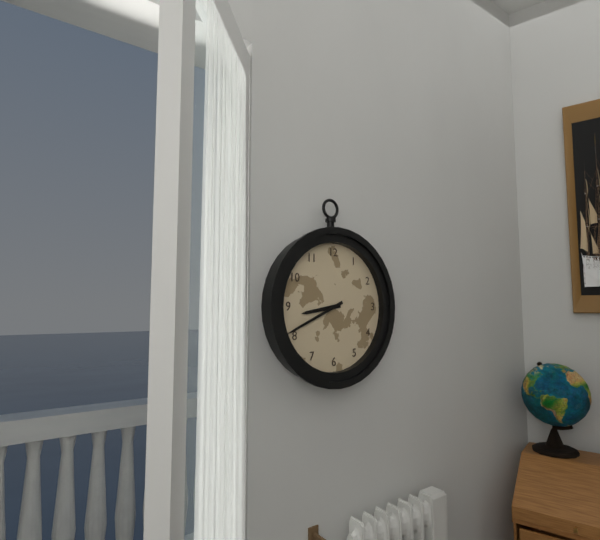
8:41
